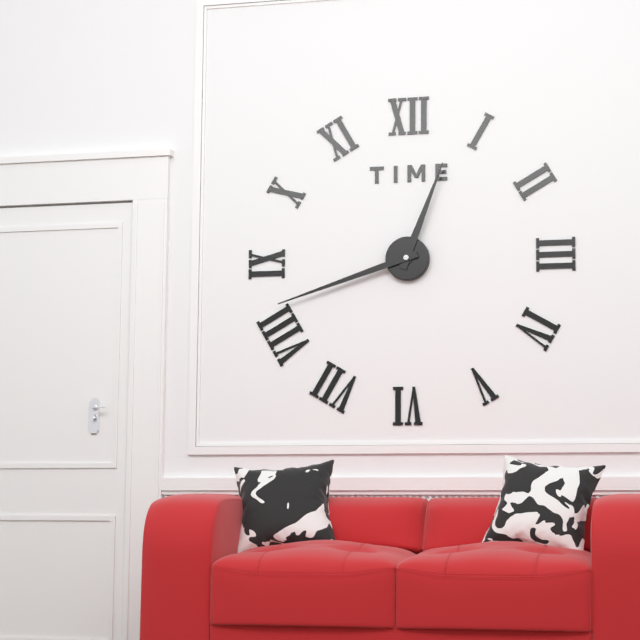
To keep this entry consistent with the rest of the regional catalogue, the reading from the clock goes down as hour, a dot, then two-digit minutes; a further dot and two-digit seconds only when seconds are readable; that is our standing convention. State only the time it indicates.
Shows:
12.42
